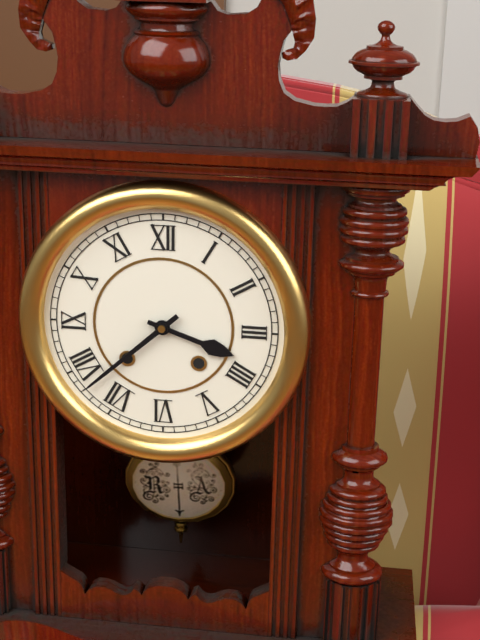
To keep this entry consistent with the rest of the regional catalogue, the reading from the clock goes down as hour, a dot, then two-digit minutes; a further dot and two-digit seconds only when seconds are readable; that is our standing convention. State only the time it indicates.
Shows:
3.38
